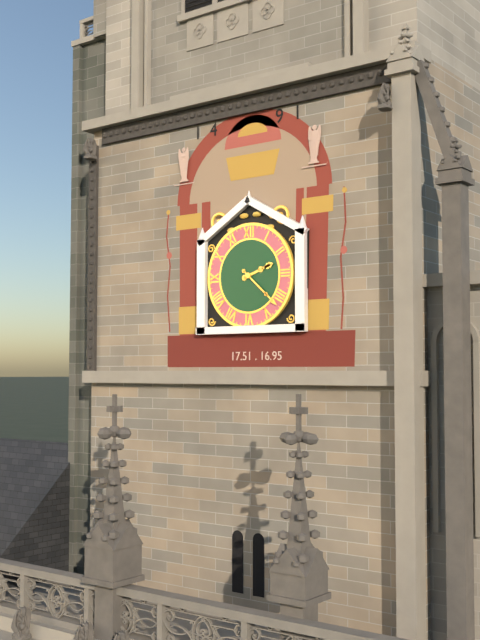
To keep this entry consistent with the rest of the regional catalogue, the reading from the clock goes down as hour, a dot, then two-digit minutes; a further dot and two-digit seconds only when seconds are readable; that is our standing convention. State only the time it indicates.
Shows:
2.22
